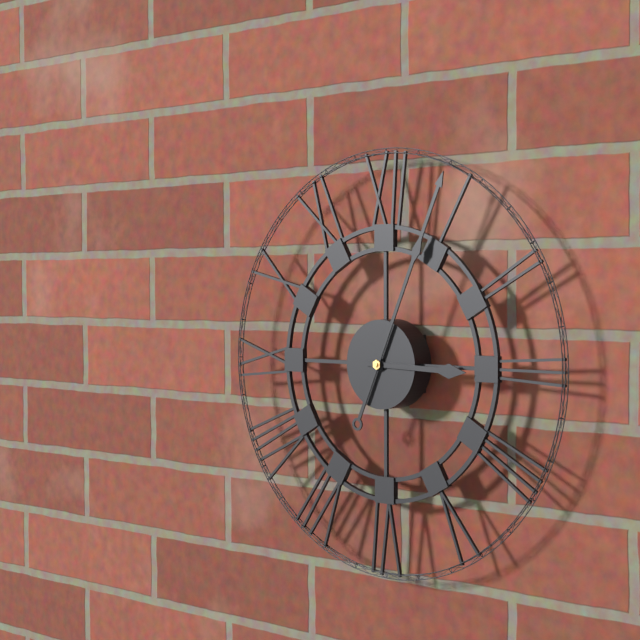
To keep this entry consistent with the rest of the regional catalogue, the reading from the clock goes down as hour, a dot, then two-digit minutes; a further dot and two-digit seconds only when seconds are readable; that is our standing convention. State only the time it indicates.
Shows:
3.04
